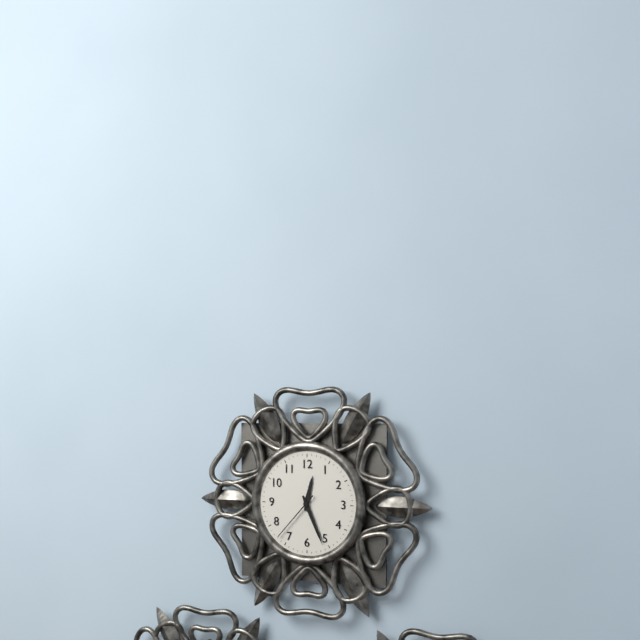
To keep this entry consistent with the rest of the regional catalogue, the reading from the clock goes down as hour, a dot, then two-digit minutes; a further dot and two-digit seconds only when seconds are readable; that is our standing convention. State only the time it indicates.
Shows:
12.26.37
